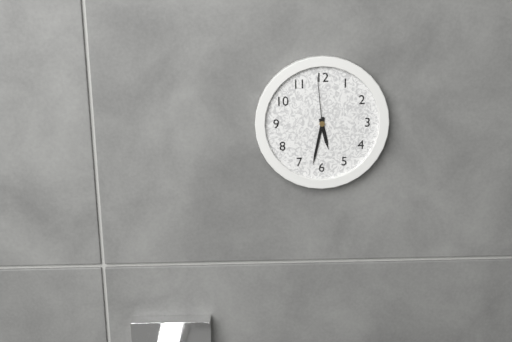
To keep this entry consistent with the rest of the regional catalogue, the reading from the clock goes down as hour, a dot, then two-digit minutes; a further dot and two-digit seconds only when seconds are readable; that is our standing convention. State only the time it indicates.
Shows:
5.32.59
